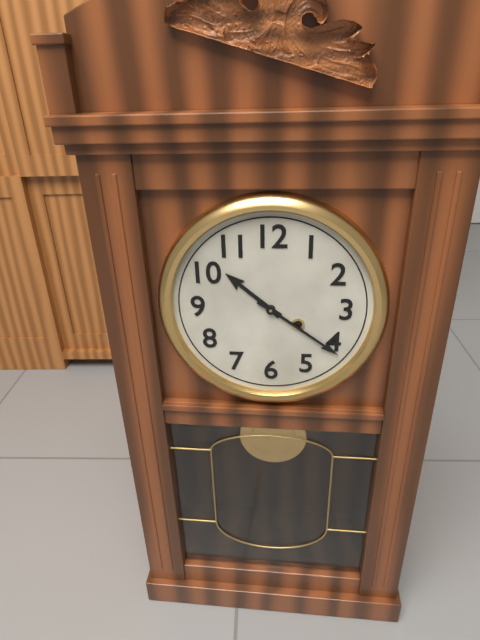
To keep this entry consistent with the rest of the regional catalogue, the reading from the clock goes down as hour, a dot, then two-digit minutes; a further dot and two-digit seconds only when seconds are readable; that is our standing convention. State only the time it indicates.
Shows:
10.21
